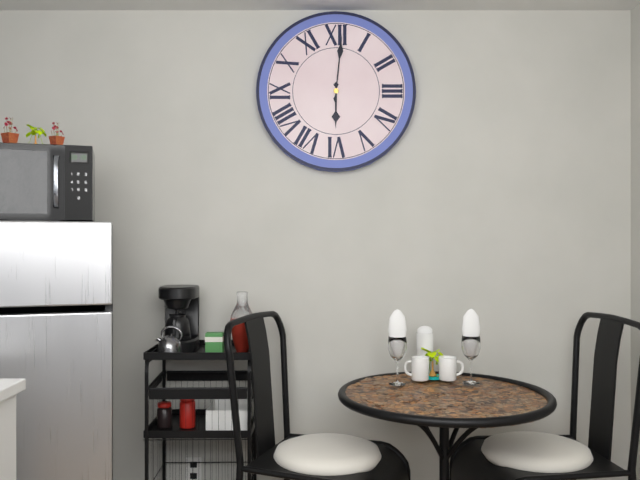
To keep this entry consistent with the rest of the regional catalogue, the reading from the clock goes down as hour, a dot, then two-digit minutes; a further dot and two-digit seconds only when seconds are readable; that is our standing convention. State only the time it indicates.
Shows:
6.01
